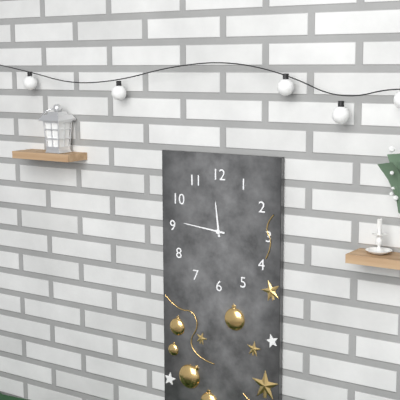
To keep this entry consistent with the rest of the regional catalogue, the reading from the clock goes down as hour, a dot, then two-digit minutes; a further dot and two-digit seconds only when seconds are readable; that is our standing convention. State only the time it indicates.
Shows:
11.46
